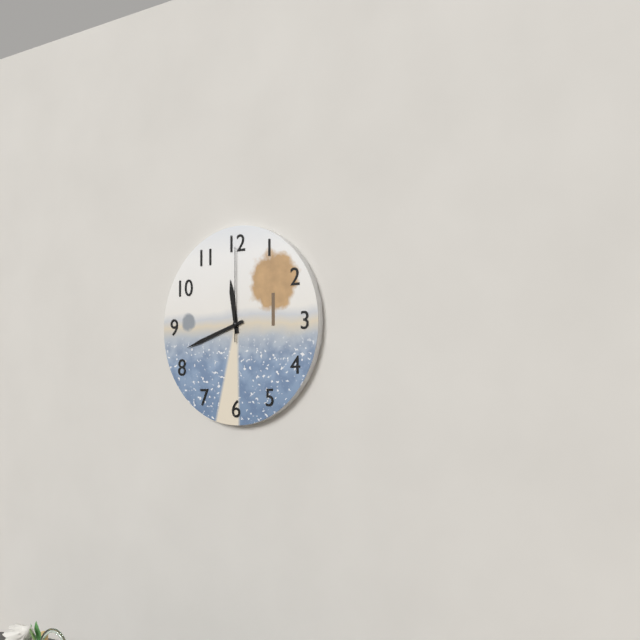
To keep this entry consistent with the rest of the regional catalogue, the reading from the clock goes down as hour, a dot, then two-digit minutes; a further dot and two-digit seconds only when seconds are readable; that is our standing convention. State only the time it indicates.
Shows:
11.42.00
